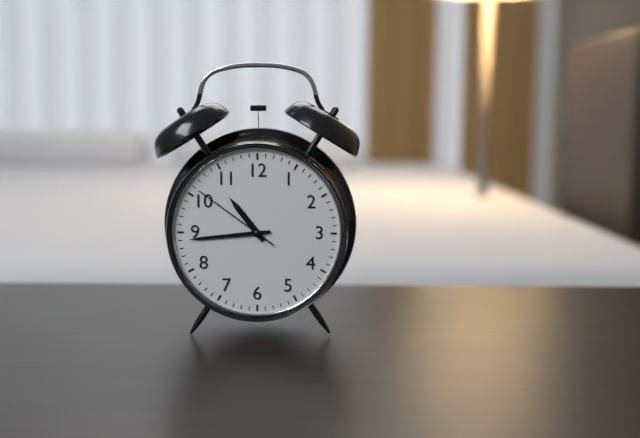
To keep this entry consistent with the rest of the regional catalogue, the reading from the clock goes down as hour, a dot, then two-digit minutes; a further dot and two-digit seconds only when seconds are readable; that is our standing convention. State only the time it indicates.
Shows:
10.44.51
